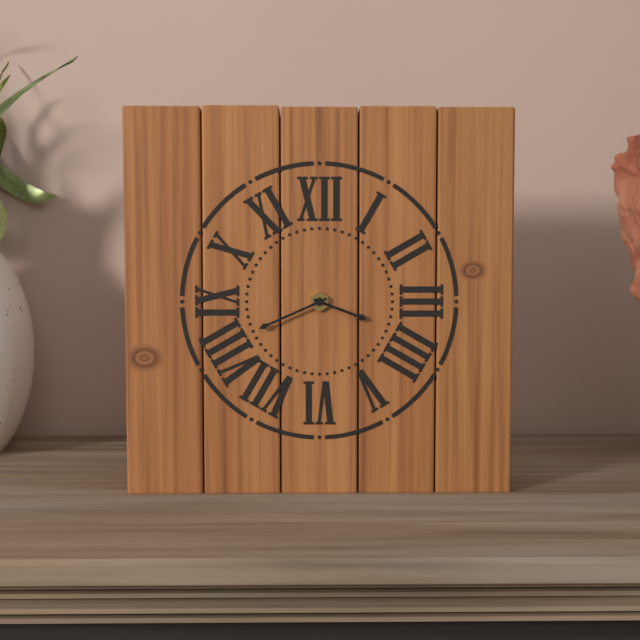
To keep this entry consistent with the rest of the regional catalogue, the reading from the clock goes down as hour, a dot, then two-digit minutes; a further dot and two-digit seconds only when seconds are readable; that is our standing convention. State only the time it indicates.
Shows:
3.41
